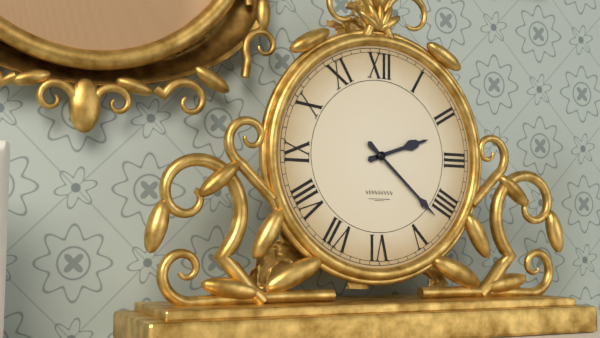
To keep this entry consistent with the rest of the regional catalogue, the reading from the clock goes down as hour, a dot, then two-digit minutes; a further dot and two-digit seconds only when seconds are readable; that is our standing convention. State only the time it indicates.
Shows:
2.22
